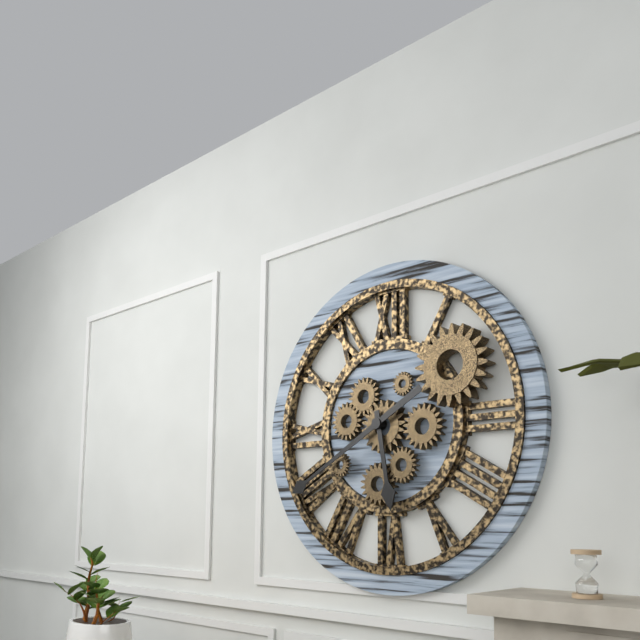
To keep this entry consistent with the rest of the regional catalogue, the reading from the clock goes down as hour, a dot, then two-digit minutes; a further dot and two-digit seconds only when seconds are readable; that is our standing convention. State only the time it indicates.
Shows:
5.40
